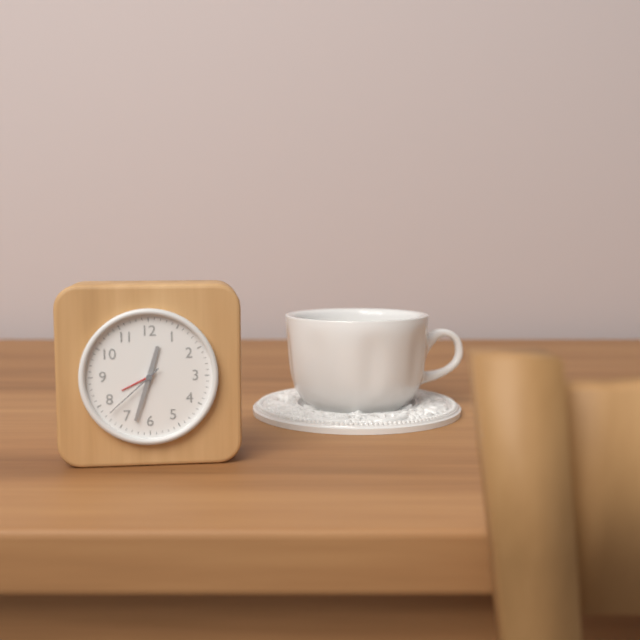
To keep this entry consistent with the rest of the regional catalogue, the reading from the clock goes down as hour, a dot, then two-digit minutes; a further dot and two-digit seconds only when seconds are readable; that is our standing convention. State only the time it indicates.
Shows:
12.33.38
